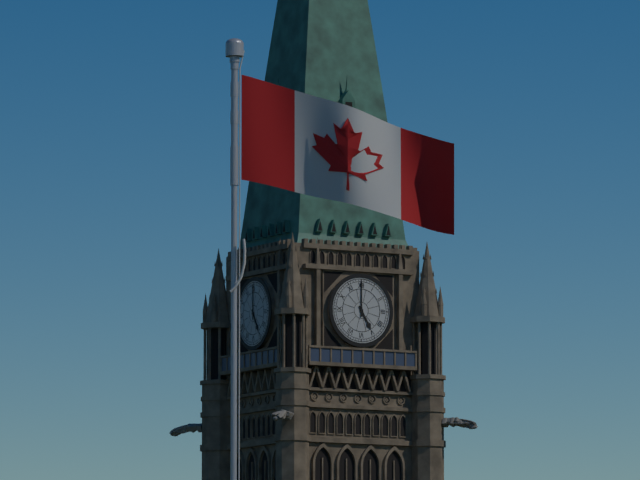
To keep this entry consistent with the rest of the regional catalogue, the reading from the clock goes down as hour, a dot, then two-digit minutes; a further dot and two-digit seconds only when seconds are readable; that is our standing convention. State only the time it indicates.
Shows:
5.00
